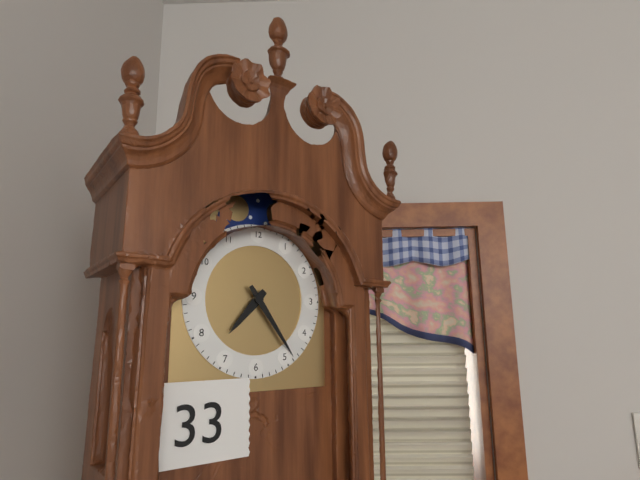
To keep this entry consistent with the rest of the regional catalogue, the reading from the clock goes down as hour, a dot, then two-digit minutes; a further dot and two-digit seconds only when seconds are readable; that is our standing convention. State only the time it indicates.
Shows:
7.24
